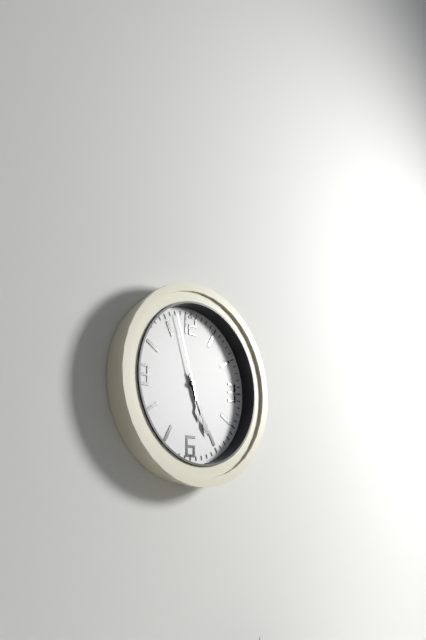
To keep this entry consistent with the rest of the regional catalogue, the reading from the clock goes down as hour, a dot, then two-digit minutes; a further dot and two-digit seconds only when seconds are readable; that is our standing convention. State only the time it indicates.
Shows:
5.26.57
